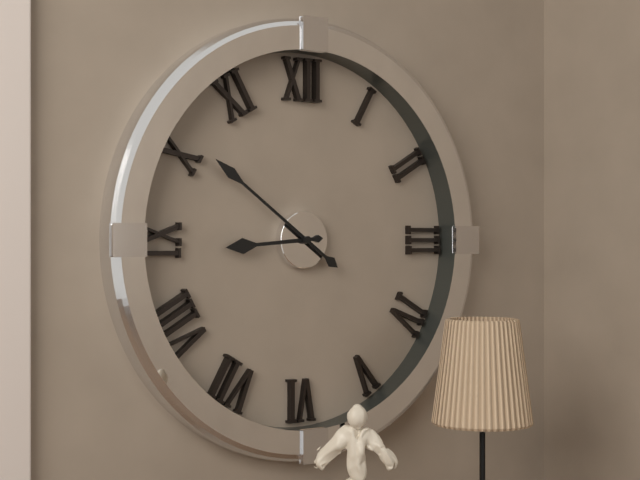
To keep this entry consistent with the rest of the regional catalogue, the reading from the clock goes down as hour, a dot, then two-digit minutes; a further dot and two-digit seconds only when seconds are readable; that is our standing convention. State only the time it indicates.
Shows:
8.51
